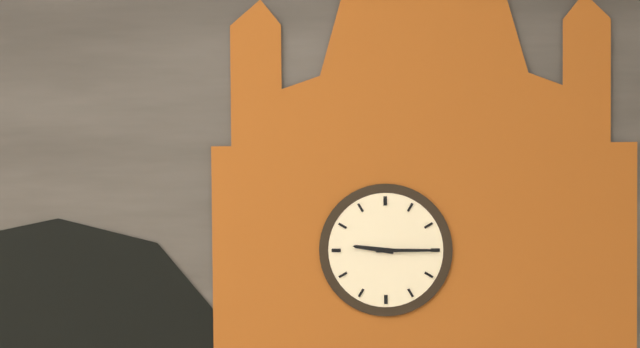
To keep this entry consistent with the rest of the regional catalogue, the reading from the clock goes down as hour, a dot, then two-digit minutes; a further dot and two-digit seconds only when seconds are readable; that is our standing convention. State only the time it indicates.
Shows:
9.15
